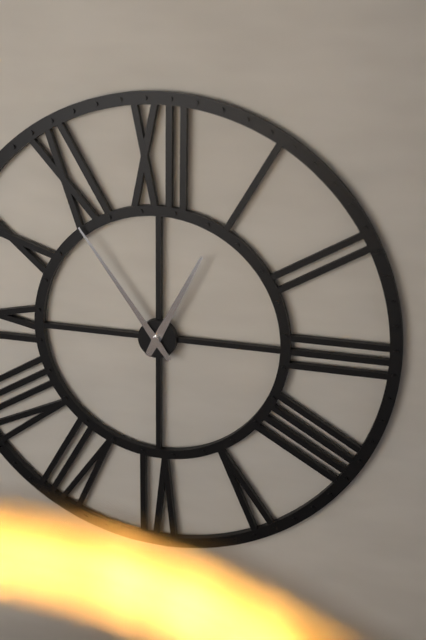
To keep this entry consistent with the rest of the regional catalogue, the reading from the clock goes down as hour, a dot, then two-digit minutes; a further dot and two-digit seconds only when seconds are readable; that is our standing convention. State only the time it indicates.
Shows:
12.54
